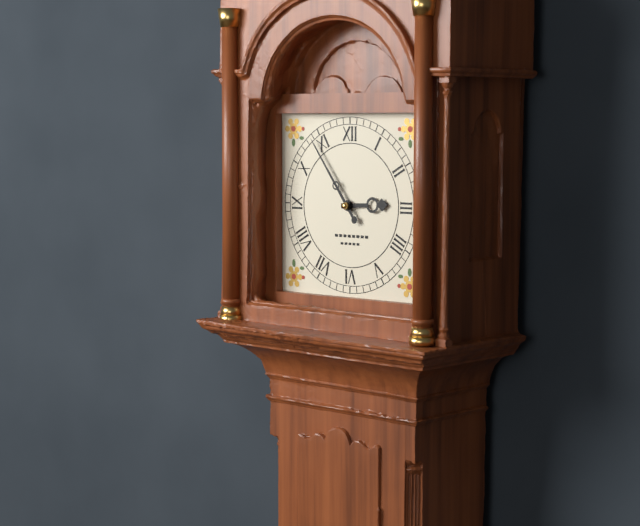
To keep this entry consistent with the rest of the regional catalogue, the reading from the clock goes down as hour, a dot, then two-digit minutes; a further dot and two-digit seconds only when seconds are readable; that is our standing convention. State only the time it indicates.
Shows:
2.54
